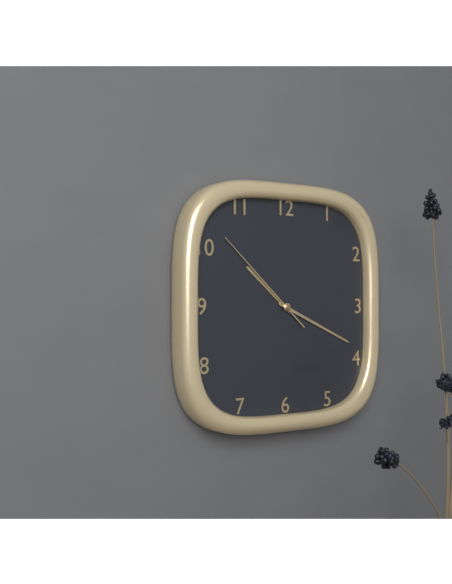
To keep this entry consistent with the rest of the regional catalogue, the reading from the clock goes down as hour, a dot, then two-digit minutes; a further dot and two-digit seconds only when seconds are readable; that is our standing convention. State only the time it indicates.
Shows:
10.19.52
